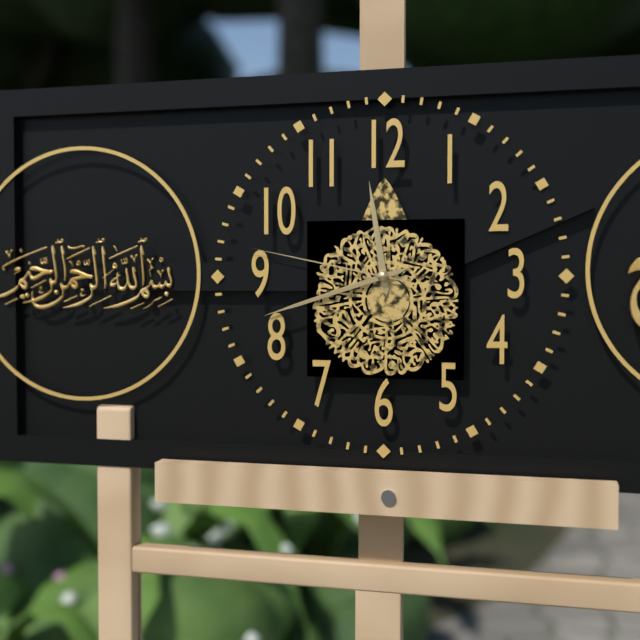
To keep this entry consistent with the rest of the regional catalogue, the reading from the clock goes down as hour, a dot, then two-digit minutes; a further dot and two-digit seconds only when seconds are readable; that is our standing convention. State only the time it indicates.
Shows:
11.42.47
